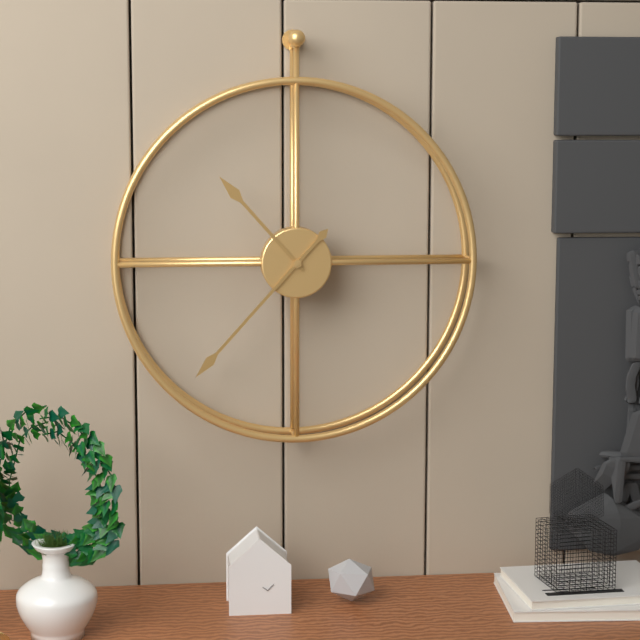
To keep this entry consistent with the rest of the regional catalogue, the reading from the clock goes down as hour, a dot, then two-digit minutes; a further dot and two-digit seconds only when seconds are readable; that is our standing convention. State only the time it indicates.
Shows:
10.37
